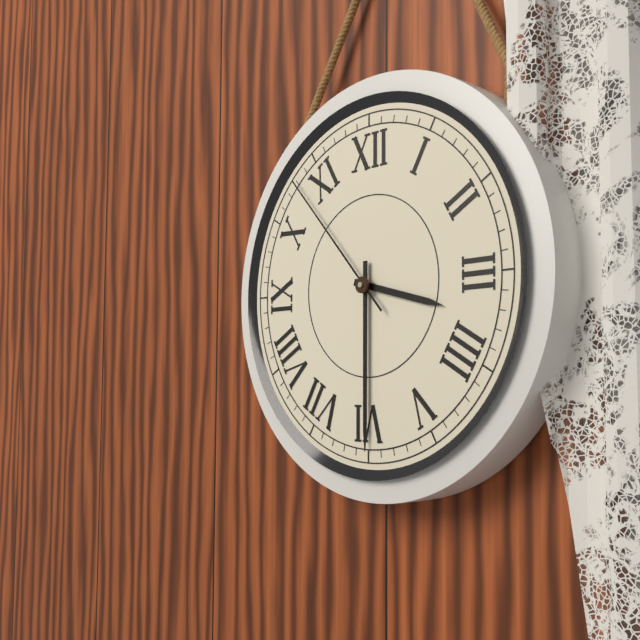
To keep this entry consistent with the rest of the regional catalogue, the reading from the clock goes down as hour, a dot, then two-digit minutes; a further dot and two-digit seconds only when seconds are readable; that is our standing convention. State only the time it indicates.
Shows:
3.30.53
